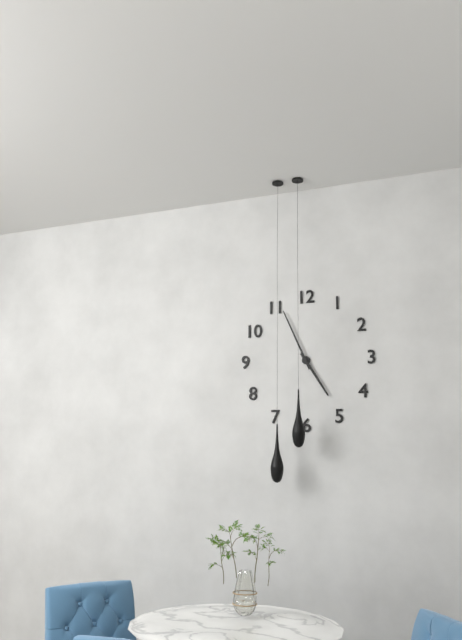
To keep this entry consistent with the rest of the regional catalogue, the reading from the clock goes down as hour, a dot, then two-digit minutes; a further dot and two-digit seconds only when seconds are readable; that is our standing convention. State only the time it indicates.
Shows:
4.56
